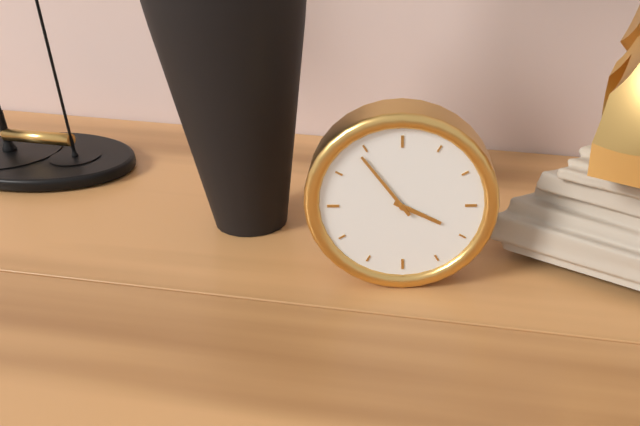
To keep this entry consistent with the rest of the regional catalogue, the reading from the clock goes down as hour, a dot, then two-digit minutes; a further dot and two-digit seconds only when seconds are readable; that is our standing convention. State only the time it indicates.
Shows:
3.54
